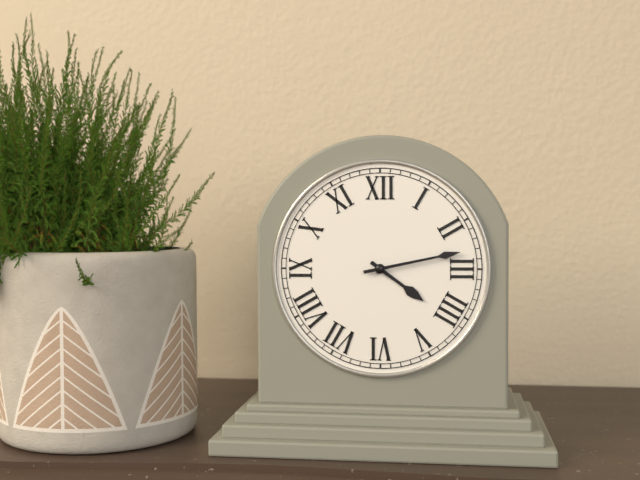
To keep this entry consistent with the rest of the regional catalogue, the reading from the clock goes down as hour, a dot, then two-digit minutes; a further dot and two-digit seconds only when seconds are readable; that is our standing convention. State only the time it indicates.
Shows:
4.13
